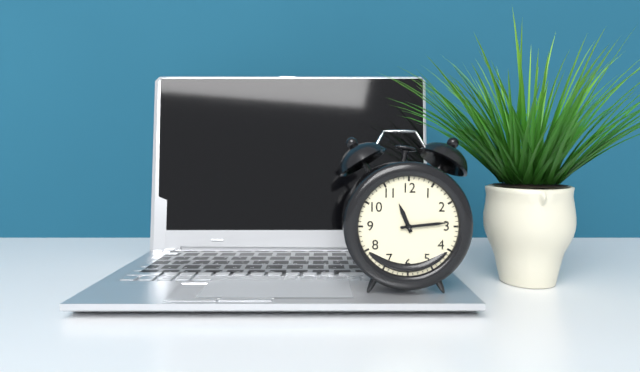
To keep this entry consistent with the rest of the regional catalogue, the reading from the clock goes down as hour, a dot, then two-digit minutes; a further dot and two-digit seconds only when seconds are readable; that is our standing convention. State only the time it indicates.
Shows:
11.14
